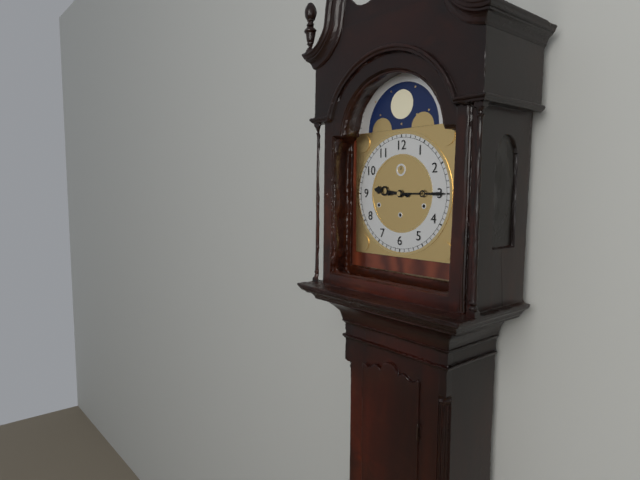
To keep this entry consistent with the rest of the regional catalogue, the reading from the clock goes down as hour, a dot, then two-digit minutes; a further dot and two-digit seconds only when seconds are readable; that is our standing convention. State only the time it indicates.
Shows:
9.15
